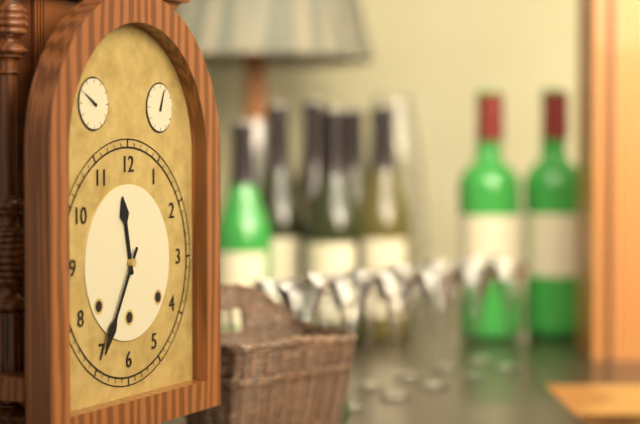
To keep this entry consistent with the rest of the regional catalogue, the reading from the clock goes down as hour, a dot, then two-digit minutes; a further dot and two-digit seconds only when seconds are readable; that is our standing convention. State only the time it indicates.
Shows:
11.35
